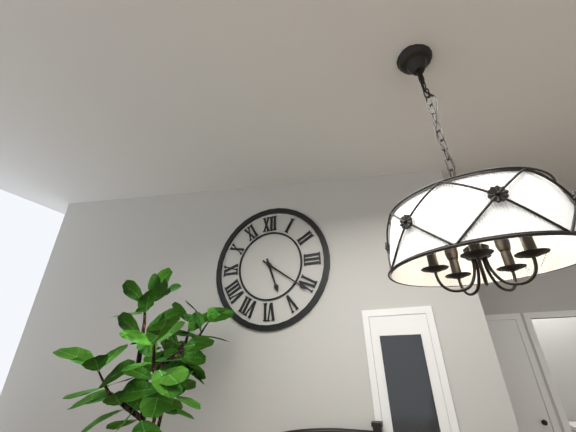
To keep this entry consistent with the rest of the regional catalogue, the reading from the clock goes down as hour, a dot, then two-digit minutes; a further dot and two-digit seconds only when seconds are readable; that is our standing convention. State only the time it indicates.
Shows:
5.21
